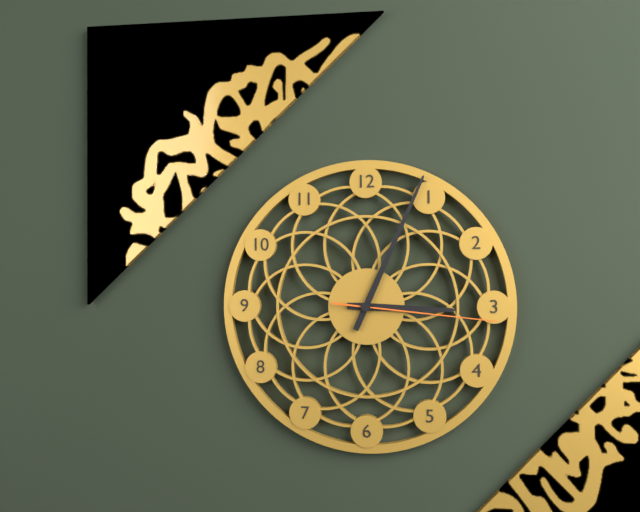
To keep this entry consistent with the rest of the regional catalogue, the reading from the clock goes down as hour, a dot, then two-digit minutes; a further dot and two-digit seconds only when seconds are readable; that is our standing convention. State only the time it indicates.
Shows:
3.04.16
